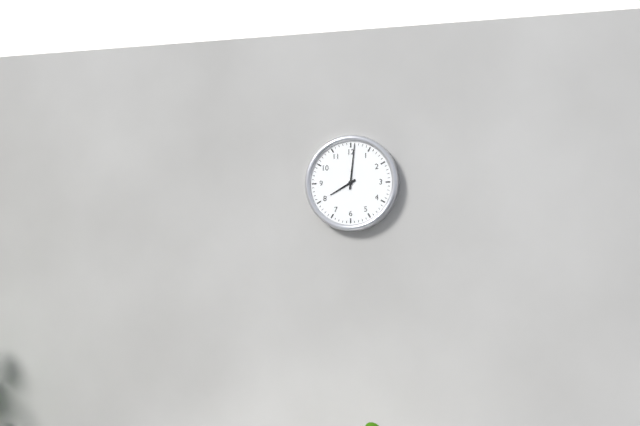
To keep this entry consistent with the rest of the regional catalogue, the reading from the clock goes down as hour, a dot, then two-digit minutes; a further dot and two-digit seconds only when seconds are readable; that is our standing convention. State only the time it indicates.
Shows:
8.01
